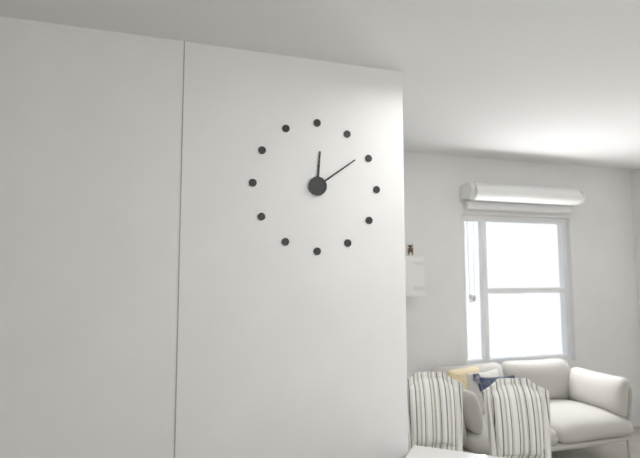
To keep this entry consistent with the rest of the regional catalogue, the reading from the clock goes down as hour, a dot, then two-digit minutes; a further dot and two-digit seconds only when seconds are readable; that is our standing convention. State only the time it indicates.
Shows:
12.09
